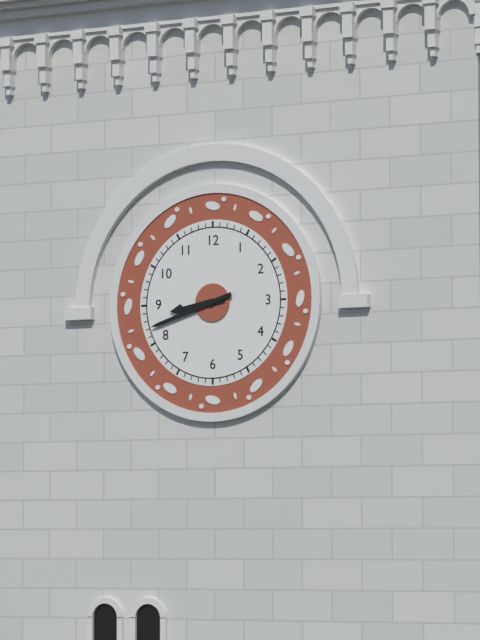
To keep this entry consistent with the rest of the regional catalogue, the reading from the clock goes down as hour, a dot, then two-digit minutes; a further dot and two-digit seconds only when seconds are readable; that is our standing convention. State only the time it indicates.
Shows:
8.42
